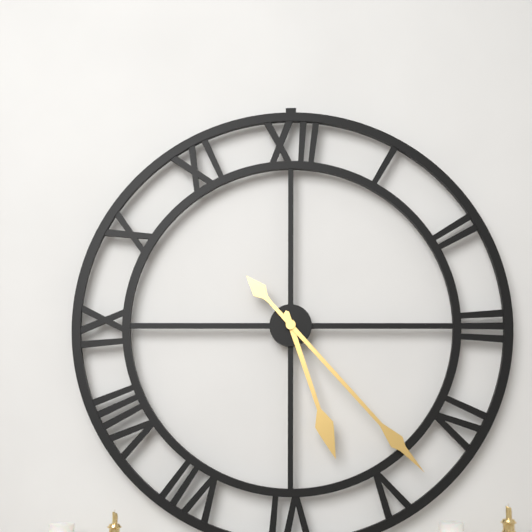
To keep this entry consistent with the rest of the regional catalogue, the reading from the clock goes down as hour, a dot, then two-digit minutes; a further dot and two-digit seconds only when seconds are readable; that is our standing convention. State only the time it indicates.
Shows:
5.23
